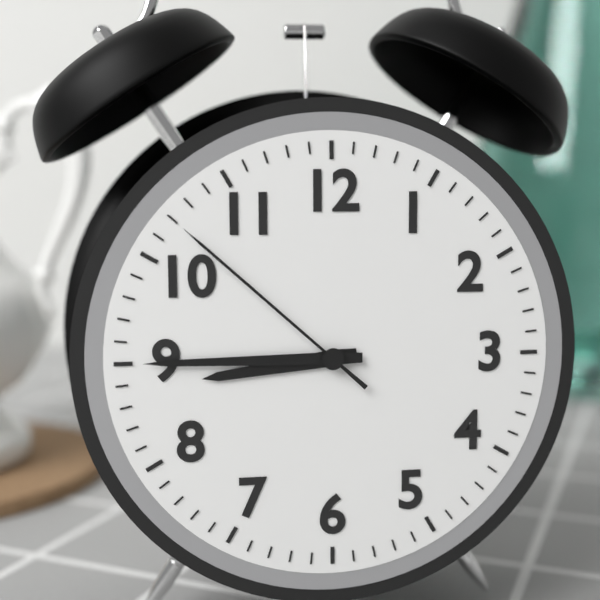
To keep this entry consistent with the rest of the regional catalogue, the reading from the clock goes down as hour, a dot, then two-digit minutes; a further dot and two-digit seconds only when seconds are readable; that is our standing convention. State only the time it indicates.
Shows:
8.45.52
